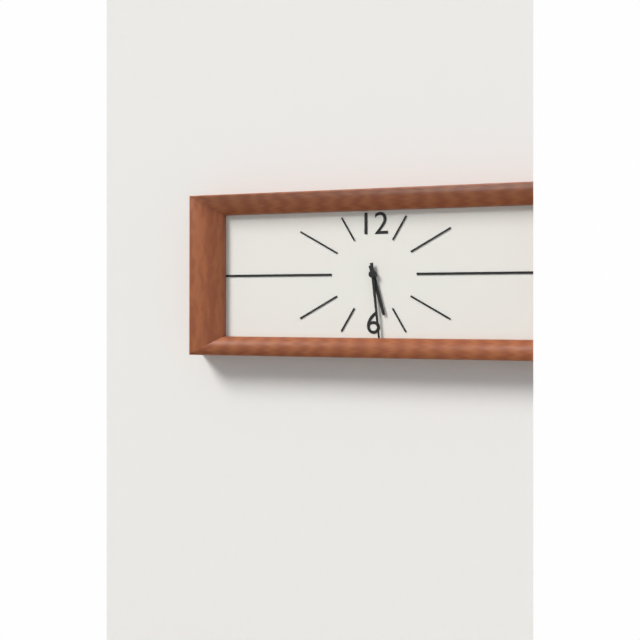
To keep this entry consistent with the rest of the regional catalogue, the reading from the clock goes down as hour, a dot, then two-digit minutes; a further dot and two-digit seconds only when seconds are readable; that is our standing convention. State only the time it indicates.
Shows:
5.29
